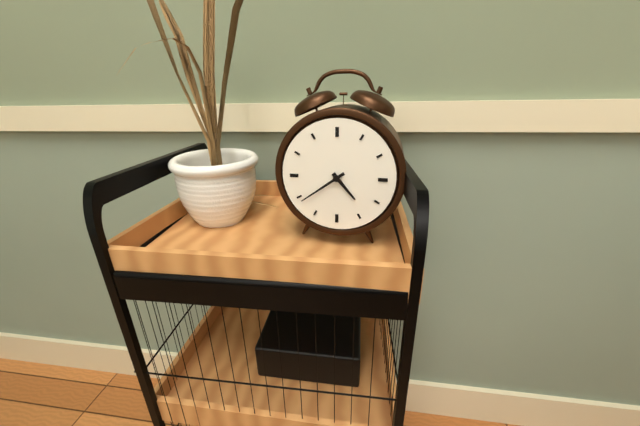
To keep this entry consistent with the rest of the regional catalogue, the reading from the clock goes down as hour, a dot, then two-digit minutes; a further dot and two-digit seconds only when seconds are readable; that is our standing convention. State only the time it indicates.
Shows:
4.39
